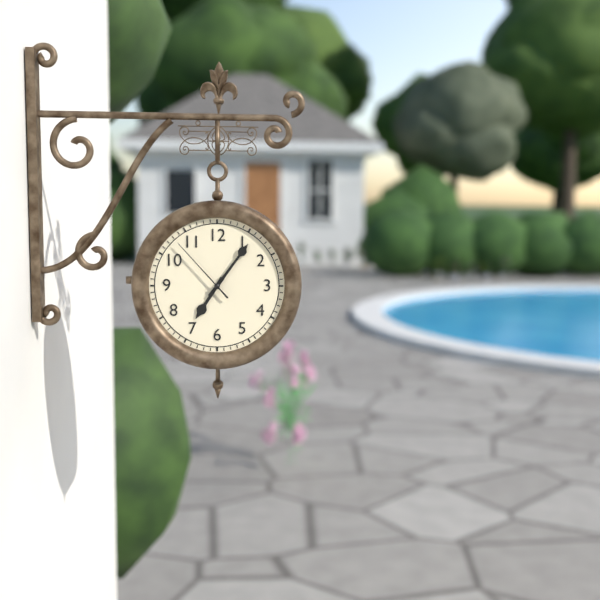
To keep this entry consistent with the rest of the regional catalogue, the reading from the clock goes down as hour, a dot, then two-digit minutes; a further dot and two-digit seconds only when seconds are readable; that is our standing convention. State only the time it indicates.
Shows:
7.06.53
